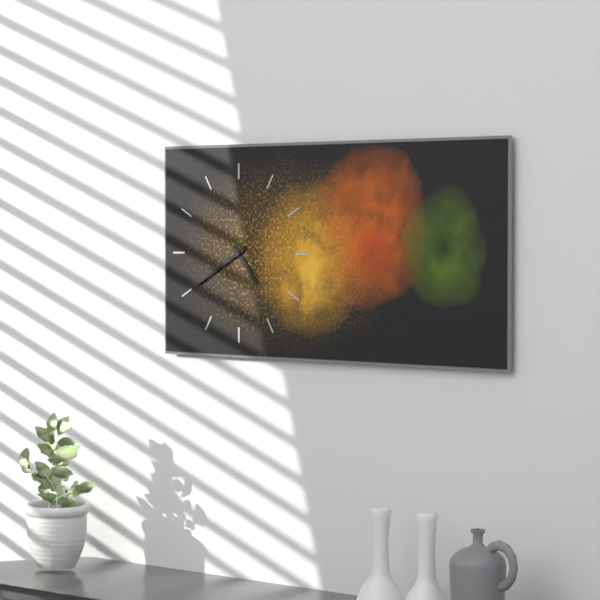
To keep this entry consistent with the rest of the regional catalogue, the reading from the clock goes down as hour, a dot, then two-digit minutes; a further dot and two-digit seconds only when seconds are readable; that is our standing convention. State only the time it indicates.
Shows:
4.40
